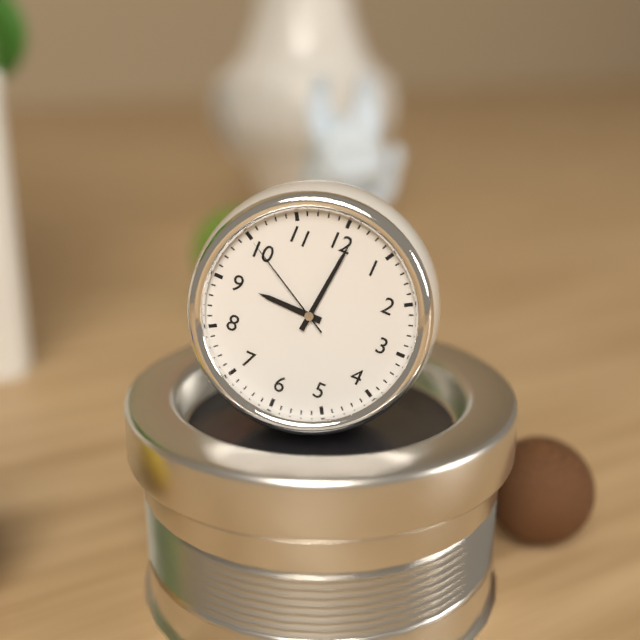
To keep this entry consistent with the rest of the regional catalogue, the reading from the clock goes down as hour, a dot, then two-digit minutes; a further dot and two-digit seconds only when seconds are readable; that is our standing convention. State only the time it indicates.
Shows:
9.01.50
